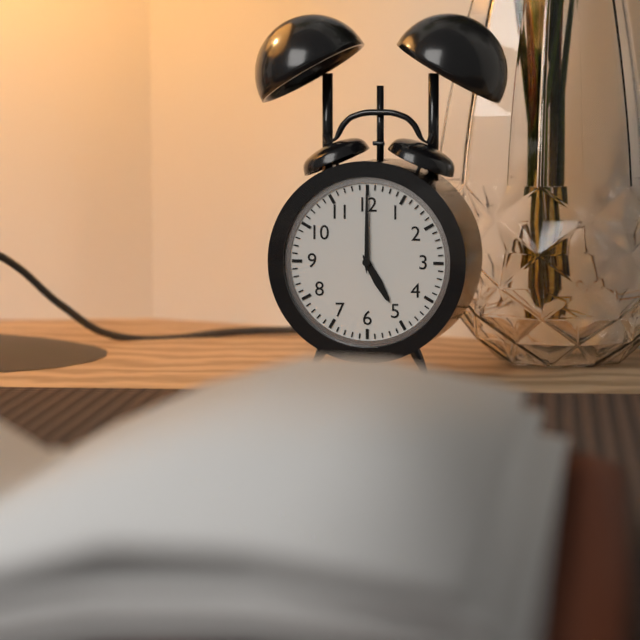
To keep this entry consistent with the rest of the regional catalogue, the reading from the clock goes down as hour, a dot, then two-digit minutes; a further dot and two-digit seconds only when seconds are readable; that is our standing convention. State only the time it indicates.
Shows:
5.00
